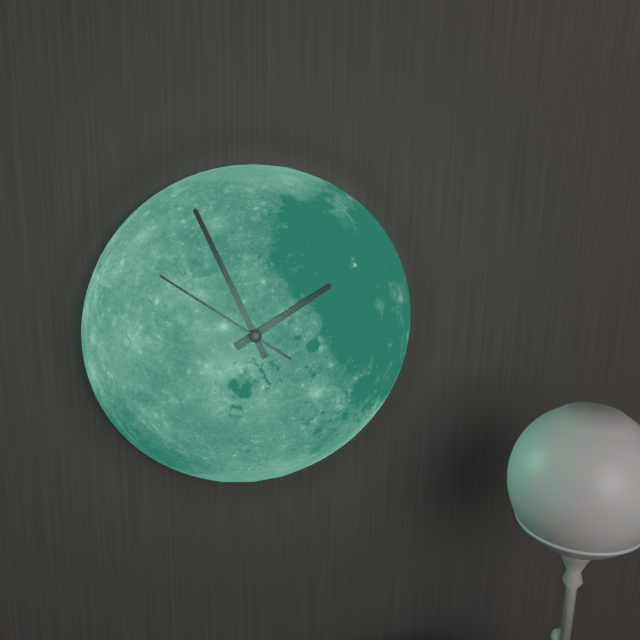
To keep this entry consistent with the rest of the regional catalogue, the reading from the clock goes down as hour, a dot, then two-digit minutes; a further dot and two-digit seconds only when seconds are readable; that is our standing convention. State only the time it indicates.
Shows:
1.56.51
